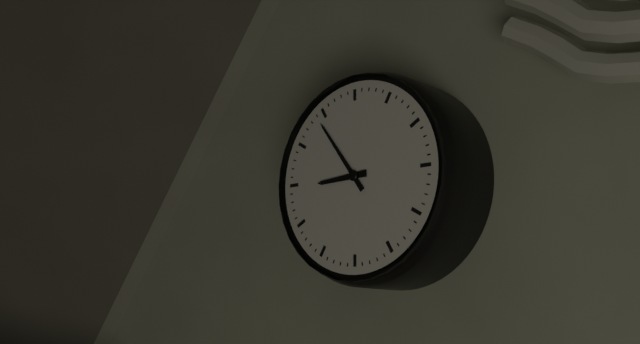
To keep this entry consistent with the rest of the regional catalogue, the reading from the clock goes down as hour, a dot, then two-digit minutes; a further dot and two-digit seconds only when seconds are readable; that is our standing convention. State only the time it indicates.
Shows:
8.54
